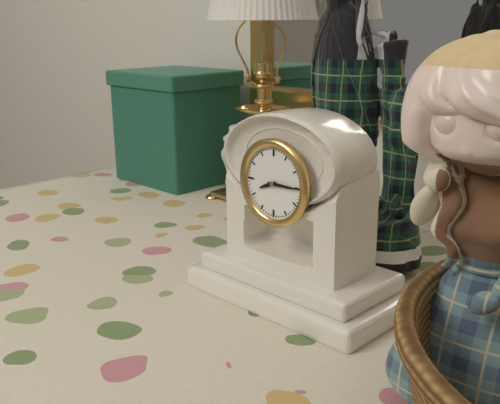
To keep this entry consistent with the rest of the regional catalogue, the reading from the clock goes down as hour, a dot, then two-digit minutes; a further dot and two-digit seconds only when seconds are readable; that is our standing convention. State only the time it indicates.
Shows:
8.15
